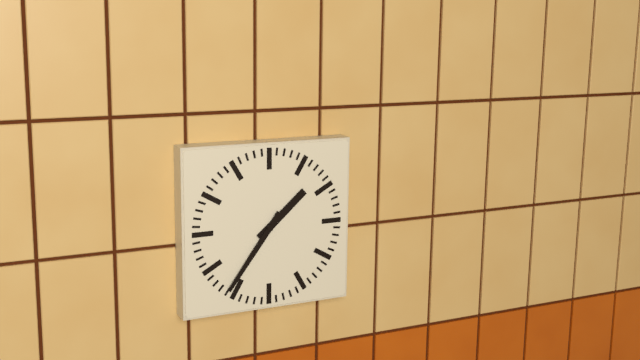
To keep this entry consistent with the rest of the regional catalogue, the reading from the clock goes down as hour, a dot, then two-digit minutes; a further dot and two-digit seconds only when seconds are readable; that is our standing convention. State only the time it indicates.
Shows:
1.36
